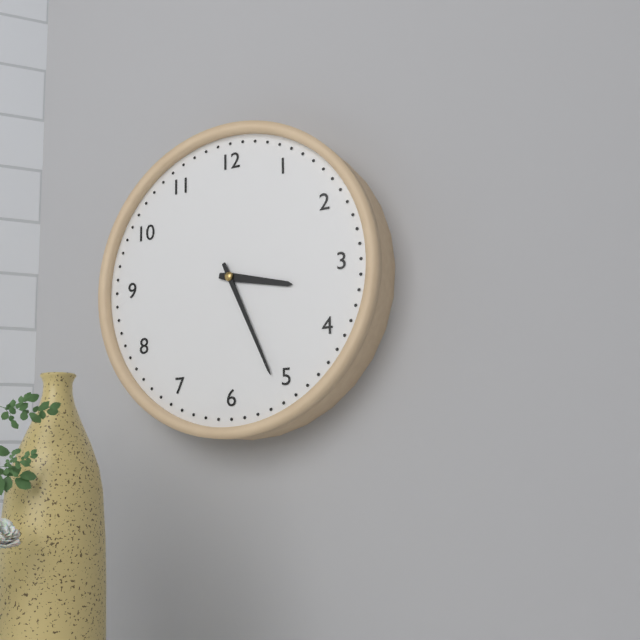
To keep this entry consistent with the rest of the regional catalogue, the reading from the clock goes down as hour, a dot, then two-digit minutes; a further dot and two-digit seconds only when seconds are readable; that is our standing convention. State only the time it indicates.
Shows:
3.26
